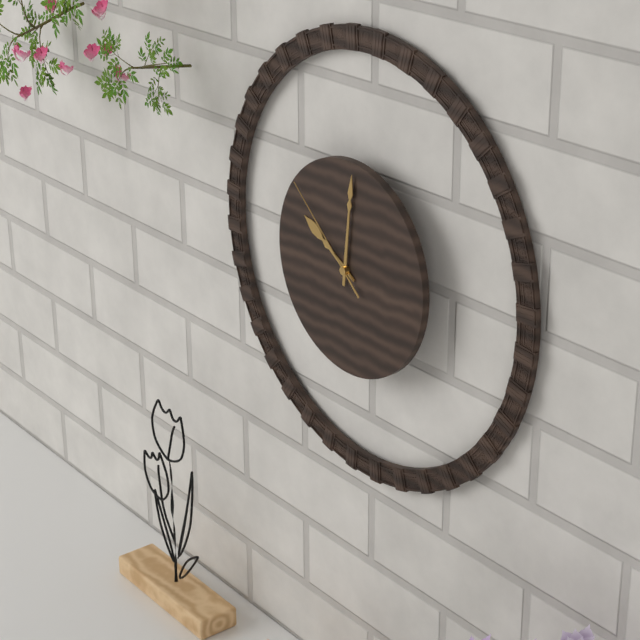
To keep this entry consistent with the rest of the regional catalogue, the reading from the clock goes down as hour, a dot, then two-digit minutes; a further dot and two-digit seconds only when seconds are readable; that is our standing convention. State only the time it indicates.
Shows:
10.01.52
